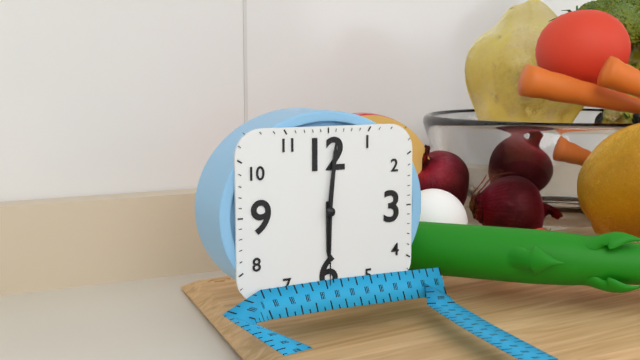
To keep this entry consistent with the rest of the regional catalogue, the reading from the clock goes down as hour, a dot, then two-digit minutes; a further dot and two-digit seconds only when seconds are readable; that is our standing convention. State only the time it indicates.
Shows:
6.01.30
